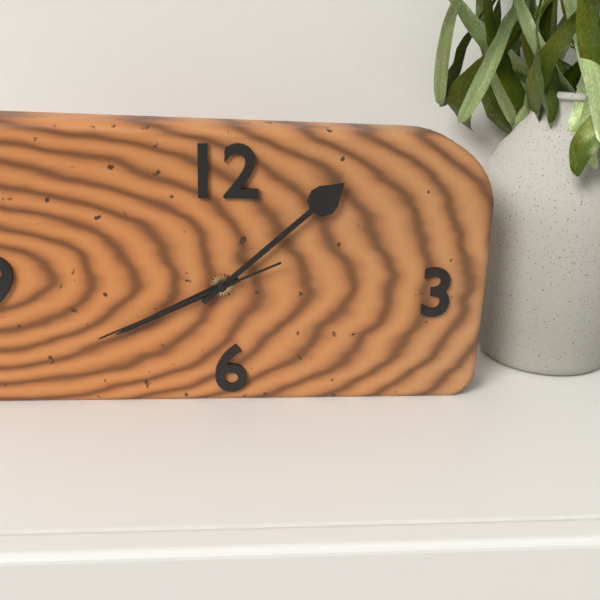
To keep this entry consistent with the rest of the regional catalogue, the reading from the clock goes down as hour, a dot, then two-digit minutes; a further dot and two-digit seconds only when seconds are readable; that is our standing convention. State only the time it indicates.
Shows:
8.08.41
